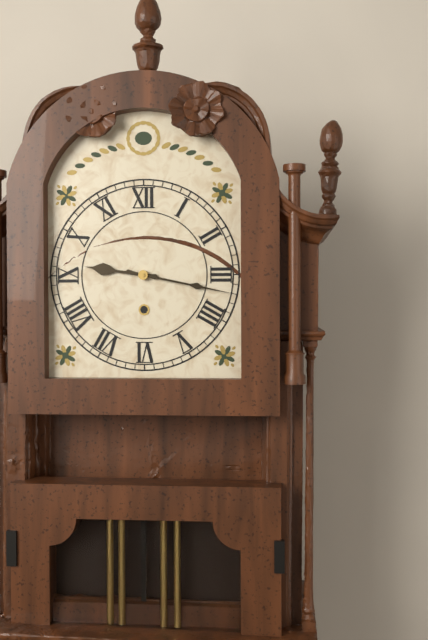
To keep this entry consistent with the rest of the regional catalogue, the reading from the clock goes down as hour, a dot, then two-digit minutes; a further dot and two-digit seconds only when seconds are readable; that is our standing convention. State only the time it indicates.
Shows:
9.17
